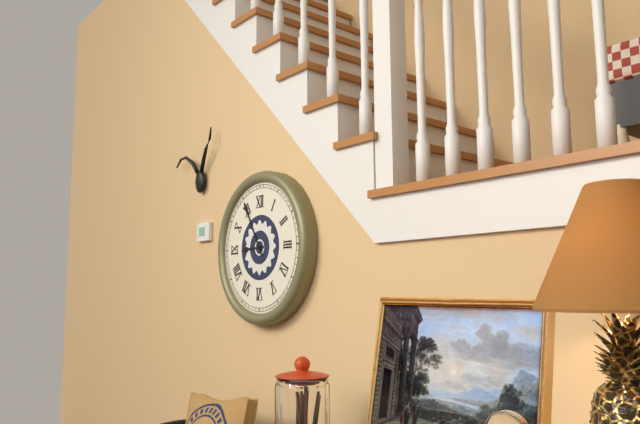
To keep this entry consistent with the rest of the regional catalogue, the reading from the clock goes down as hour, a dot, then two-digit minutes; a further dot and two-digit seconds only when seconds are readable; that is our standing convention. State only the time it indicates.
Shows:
8.55
